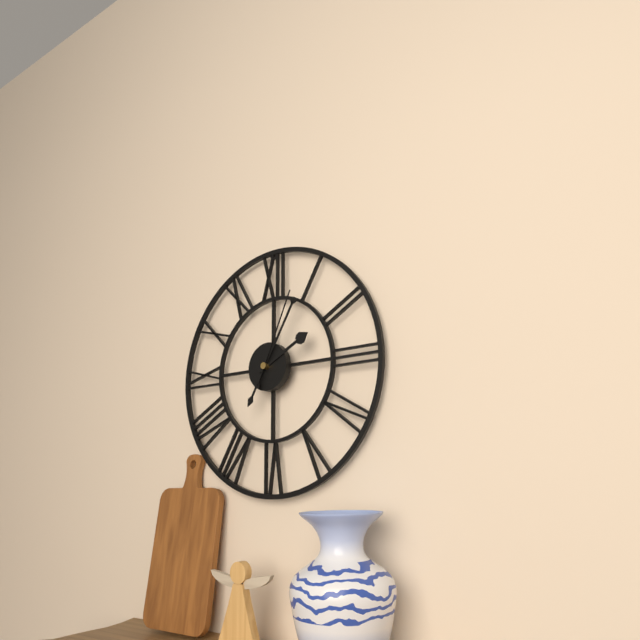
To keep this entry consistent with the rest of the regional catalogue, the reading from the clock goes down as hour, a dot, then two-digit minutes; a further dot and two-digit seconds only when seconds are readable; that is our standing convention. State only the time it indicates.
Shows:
2.05.04
